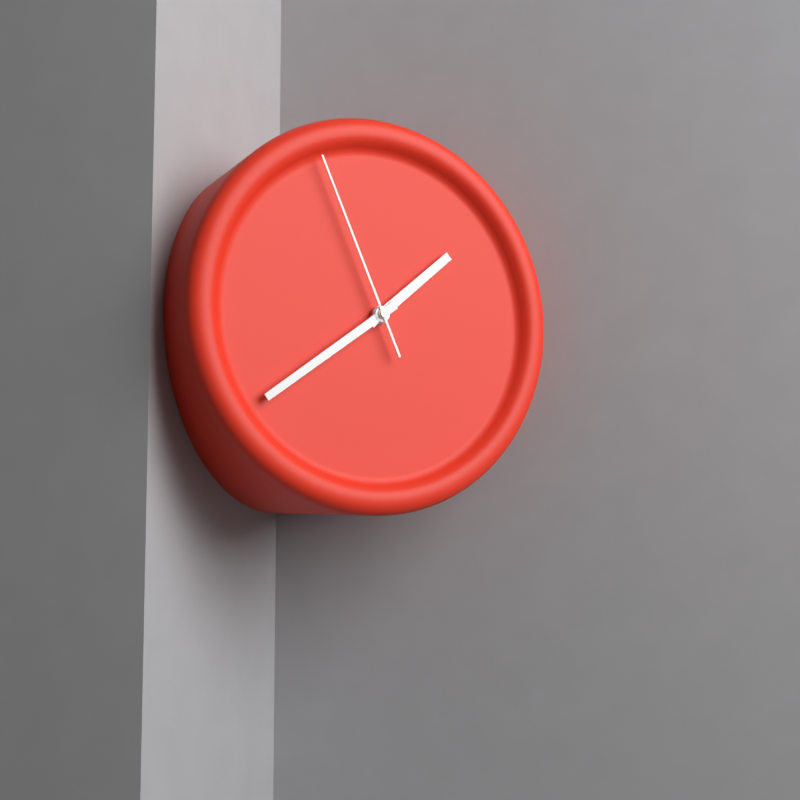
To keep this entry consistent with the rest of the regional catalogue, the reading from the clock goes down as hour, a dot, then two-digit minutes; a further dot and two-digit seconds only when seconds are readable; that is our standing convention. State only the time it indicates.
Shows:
1.39.56
